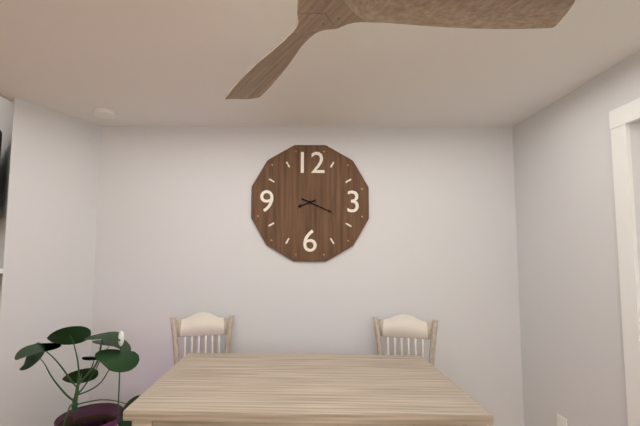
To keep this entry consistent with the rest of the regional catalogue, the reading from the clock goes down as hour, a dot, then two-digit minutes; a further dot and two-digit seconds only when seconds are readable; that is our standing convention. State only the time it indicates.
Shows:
8.19
